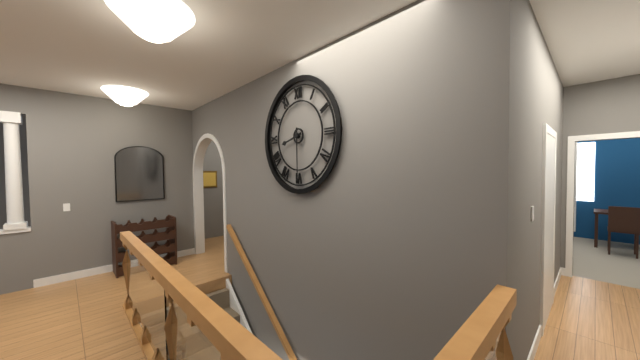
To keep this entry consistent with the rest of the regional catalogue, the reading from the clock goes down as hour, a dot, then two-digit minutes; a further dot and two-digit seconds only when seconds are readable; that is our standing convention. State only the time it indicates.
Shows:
8.30
